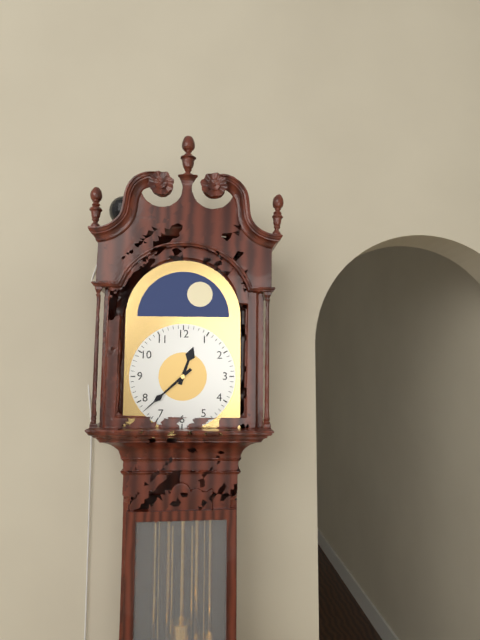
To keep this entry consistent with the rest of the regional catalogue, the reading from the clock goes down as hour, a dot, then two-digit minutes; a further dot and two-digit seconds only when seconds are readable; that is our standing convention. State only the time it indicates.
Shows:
12.38
